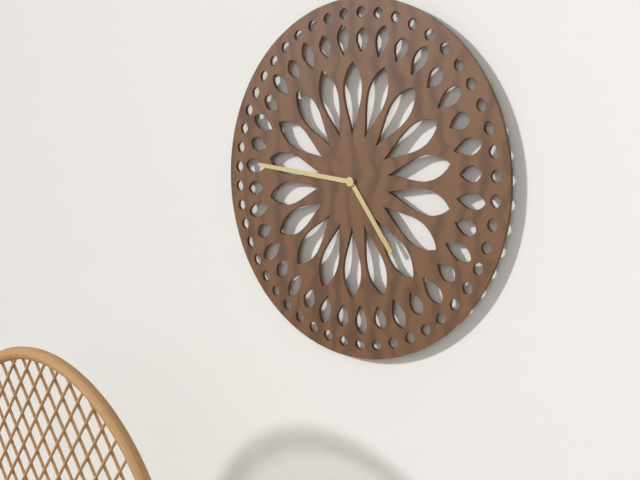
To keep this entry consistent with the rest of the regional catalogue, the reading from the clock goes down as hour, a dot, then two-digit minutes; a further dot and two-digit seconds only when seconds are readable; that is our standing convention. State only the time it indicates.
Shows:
4.46
